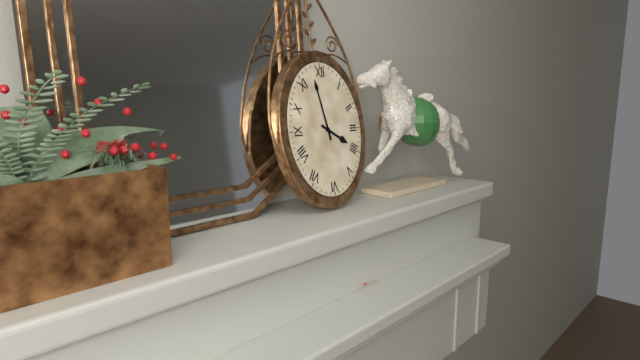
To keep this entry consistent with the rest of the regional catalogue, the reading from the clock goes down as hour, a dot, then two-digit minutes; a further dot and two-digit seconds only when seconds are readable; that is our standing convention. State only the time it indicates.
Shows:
3.58
